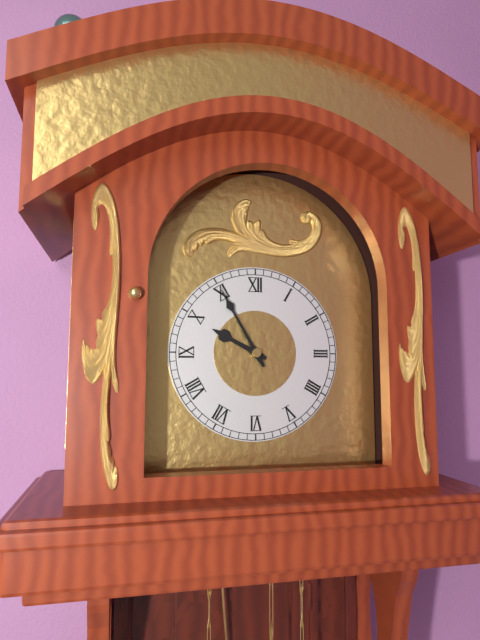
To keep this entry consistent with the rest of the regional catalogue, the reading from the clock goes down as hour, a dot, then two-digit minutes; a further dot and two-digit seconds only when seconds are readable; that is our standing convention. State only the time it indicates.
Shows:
9.55
